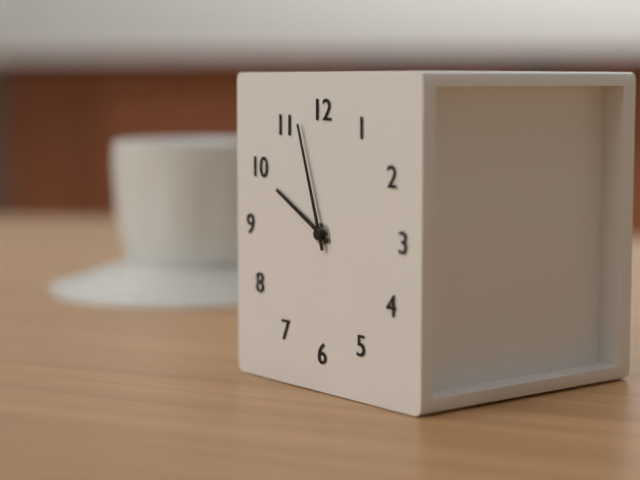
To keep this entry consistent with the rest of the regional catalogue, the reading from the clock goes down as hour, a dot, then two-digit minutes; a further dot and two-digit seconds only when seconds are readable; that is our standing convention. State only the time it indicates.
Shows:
9.57
